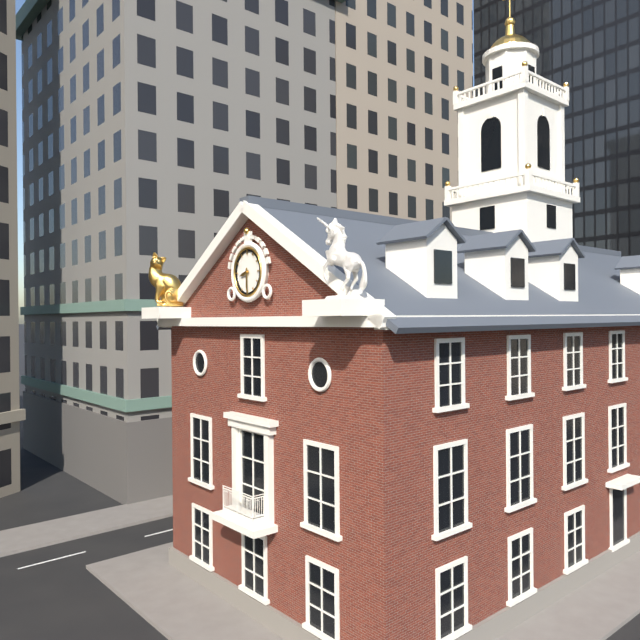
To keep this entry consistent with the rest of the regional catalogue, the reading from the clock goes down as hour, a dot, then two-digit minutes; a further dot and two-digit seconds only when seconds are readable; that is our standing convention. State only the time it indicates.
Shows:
8.30
